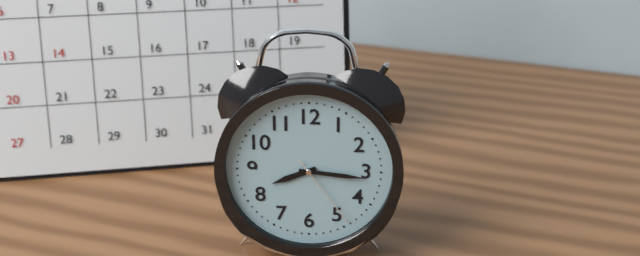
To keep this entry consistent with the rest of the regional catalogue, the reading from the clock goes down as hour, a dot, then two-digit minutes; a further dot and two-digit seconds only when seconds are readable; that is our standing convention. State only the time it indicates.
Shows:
8.16.24
